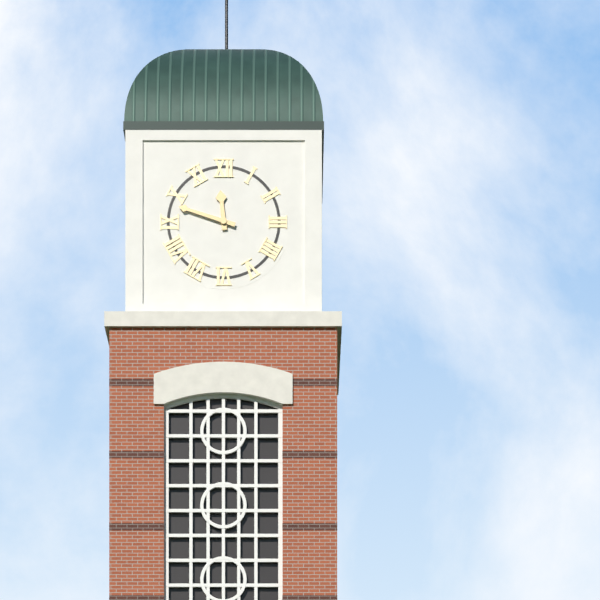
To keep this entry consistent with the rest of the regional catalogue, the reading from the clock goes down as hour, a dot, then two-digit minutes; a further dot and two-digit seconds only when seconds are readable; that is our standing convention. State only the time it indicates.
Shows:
11.48
